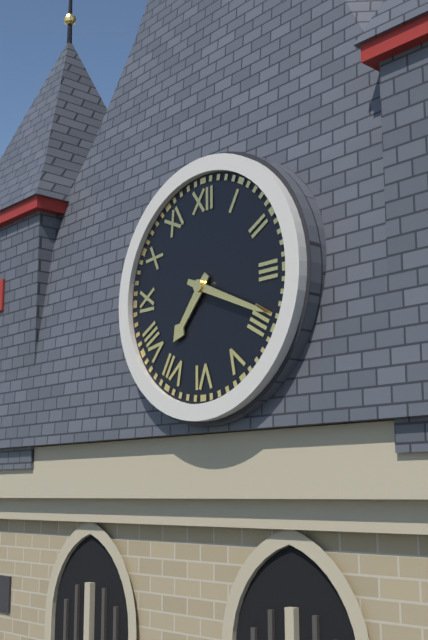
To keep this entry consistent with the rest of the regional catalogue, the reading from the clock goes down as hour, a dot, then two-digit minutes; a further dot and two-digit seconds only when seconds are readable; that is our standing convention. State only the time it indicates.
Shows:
7.19
